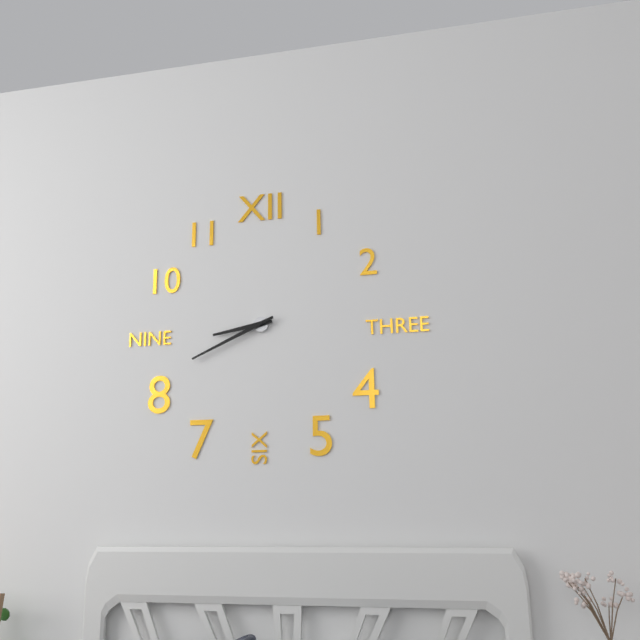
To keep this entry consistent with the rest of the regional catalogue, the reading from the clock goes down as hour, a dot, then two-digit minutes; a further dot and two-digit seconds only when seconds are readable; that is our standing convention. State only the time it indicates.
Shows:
8.41
